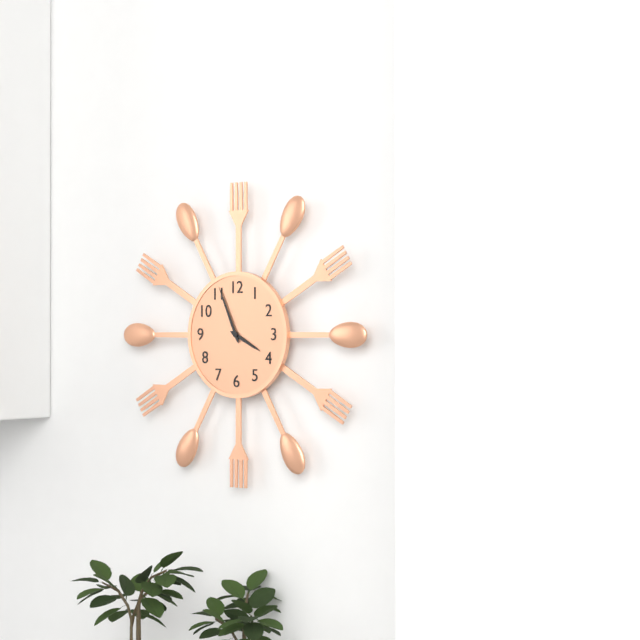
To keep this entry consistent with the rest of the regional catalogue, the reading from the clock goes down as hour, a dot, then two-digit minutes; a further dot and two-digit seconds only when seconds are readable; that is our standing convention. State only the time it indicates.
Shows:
3.56
